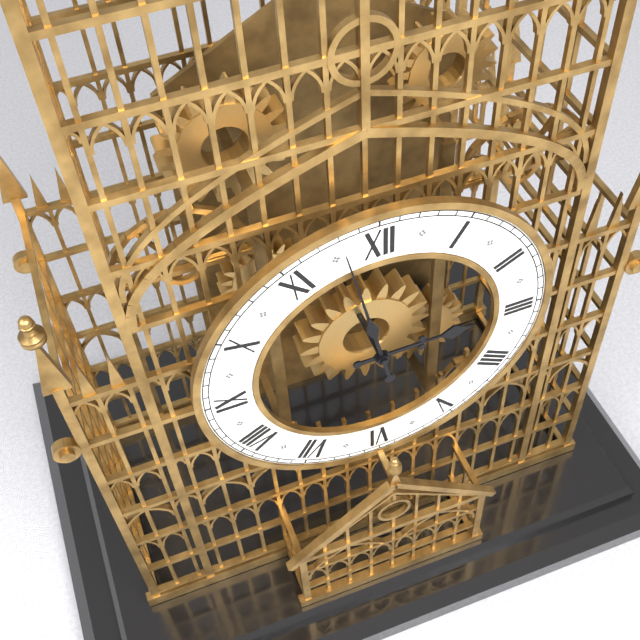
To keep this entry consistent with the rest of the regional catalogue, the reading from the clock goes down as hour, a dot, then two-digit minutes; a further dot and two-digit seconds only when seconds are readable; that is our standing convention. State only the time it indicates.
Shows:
2.58
